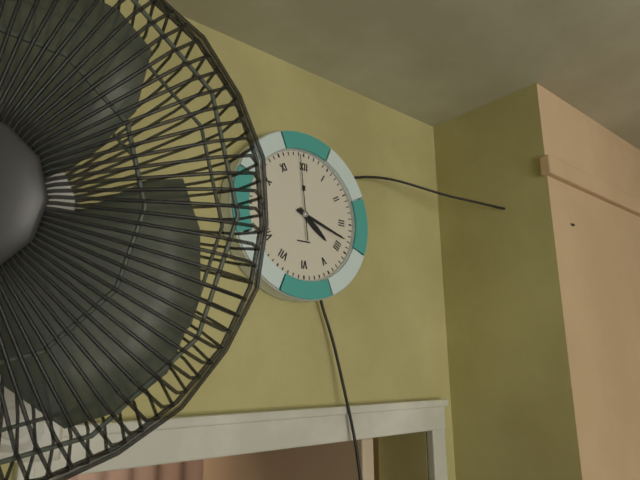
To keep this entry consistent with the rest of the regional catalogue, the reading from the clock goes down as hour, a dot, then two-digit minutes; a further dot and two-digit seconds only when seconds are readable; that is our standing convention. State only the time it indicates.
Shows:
4.18.59
